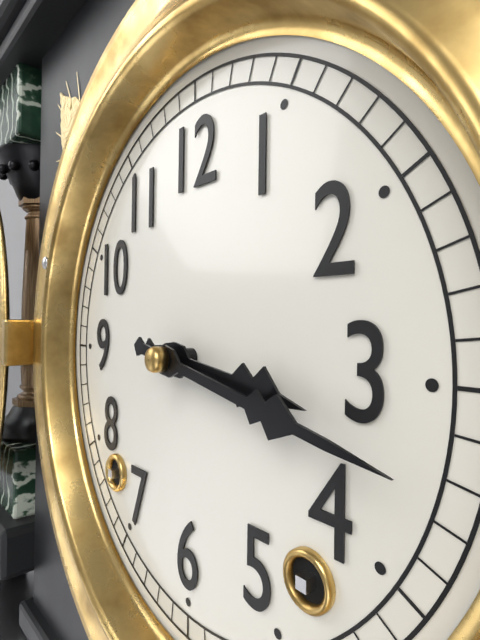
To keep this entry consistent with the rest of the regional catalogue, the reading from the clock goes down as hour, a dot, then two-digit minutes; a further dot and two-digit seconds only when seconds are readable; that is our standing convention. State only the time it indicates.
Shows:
3.17
